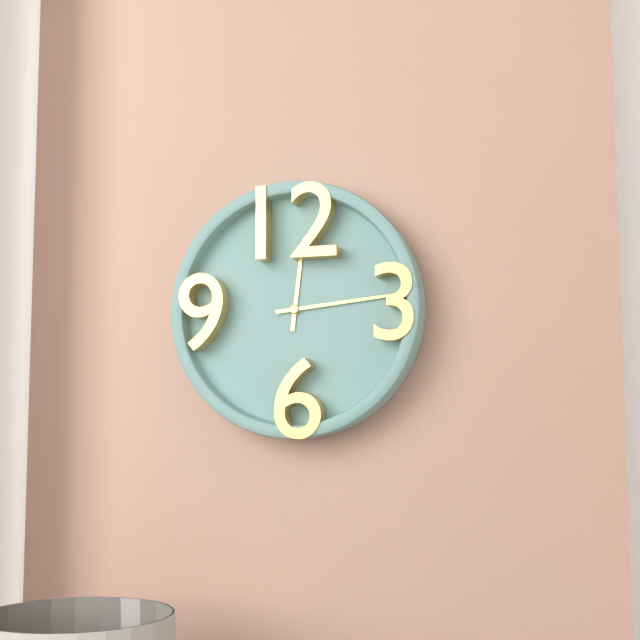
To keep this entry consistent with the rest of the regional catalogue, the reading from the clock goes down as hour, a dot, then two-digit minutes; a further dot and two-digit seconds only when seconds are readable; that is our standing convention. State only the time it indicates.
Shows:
12.14
